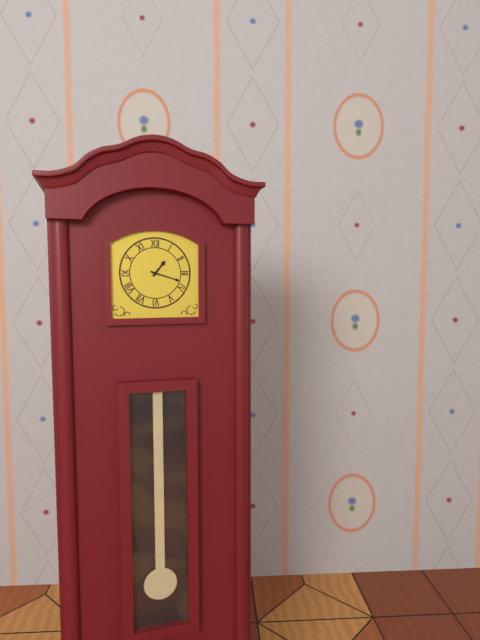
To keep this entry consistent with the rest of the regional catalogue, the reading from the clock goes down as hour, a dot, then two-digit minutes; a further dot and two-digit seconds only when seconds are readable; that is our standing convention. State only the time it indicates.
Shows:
1.18
